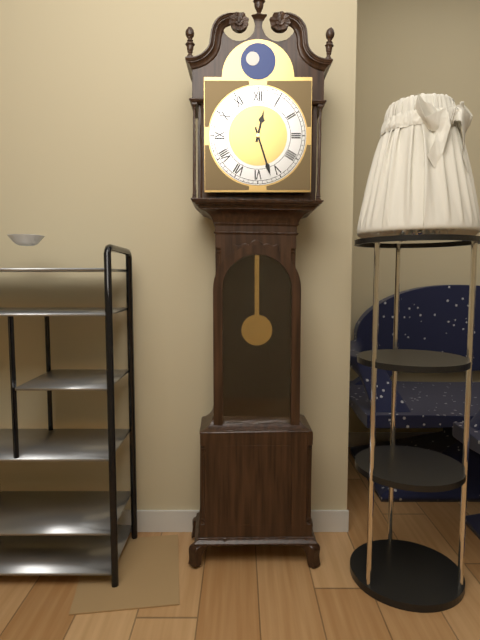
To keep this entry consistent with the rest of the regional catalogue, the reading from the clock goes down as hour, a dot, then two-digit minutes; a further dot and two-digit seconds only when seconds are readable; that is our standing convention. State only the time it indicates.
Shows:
12.27
